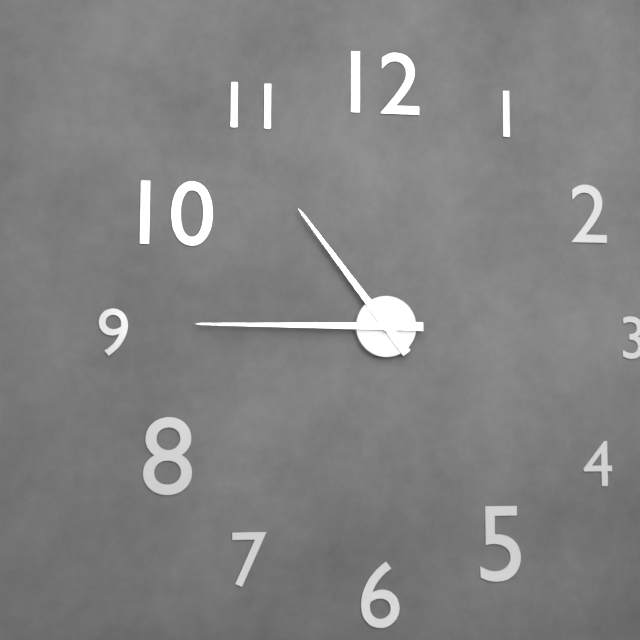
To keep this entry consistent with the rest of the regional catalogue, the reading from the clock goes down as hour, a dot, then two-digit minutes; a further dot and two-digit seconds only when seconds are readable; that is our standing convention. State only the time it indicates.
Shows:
10.45
